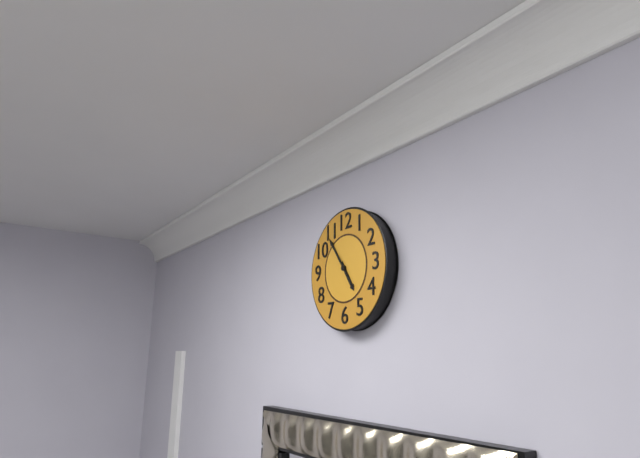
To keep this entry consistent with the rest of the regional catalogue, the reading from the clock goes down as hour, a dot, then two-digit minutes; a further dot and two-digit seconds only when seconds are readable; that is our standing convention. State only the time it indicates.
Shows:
4.54
